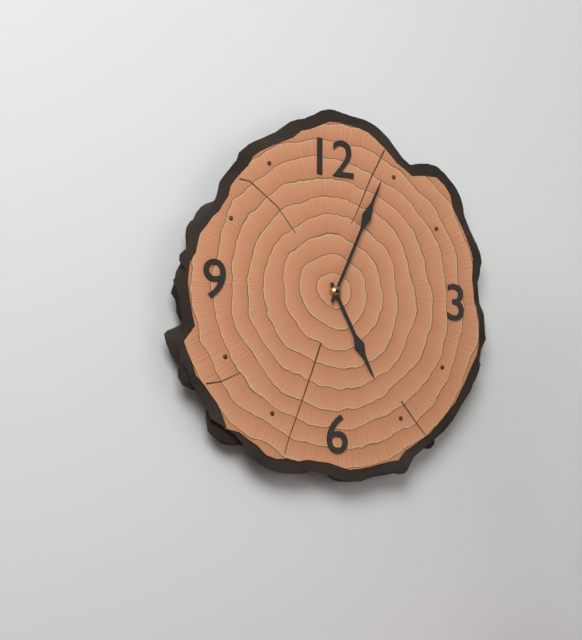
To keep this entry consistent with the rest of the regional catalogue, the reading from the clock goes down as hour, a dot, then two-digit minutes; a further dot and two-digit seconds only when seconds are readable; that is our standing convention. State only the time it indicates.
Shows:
5.04
